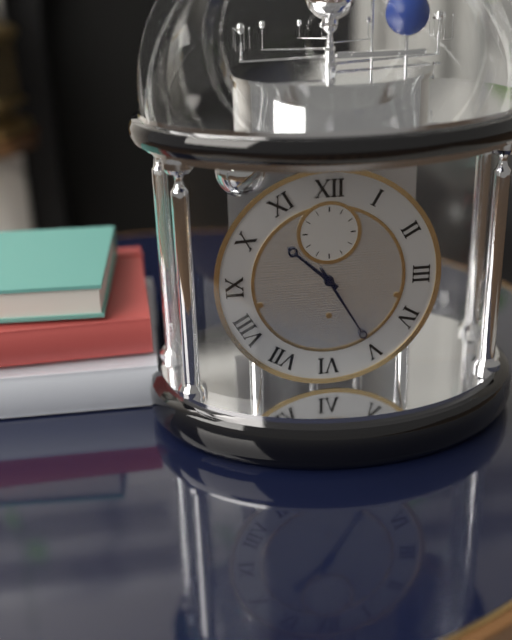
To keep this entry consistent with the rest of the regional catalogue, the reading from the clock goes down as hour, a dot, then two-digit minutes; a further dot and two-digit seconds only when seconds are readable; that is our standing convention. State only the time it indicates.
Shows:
10.25
